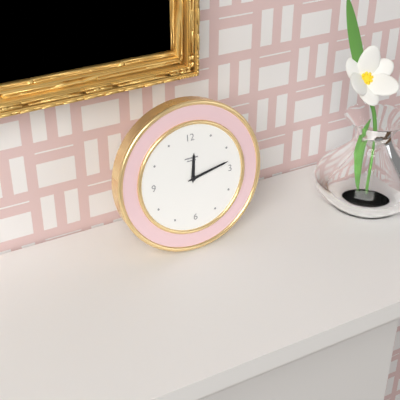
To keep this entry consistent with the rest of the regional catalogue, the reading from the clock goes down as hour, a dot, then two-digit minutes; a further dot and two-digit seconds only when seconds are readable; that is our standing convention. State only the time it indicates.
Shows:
12.13
